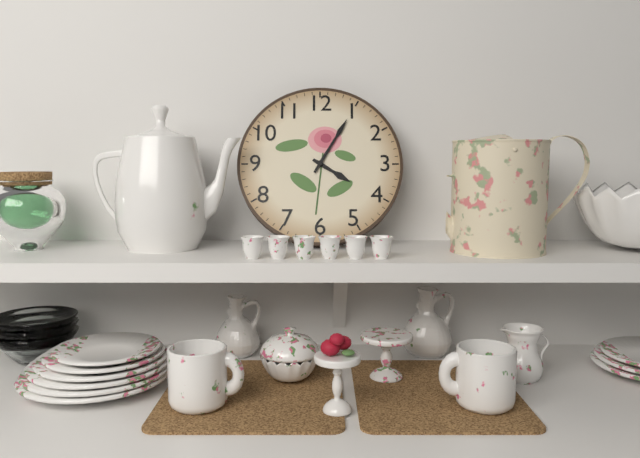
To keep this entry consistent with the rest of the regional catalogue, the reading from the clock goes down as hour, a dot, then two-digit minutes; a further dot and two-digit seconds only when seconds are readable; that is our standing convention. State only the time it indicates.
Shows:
4.05
